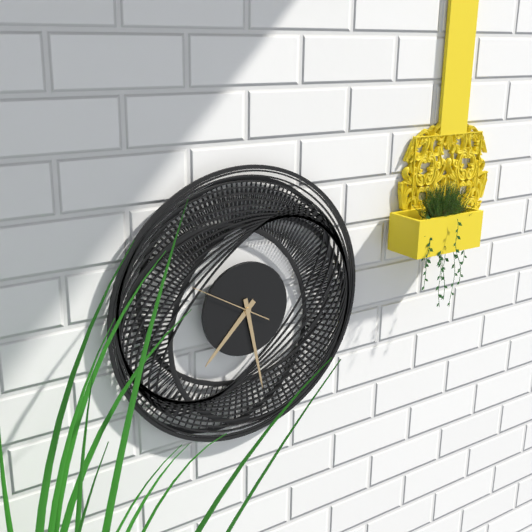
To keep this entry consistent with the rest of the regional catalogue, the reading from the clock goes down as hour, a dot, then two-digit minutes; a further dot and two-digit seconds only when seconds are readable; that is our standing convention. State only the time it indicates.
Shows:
7.28.50
